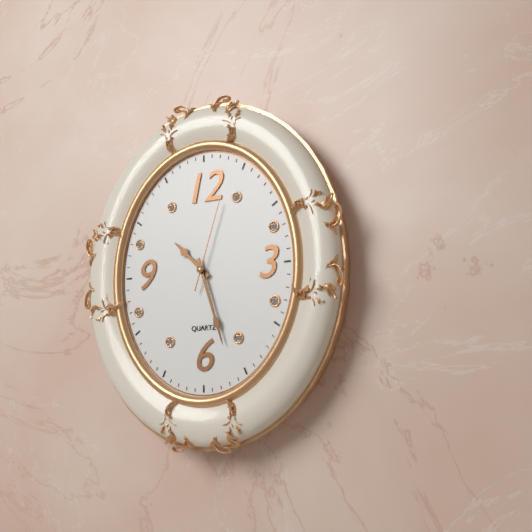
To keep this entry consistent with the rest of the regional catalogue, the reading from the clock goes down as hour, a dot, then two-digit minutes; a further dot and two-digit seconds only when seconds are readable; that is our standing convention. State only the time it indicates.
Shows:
10.27.03
